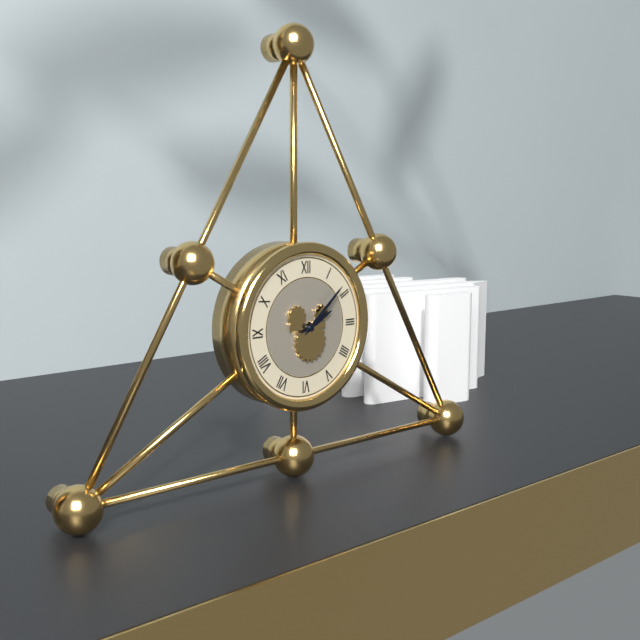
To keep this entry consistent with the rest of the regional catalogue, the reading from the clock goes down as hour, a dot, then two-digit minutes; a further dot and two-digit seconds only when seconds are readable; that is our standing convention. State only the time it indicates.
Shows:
2.08
